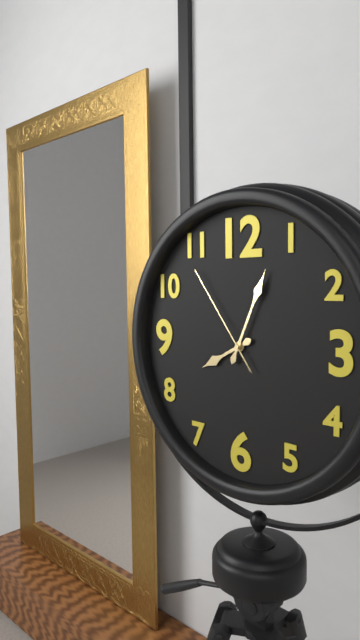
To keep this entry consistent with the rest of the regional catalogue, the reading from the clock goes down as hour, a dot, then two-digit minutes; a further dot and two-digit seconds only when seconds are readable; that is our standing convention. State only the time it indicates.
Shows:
8.04.54
